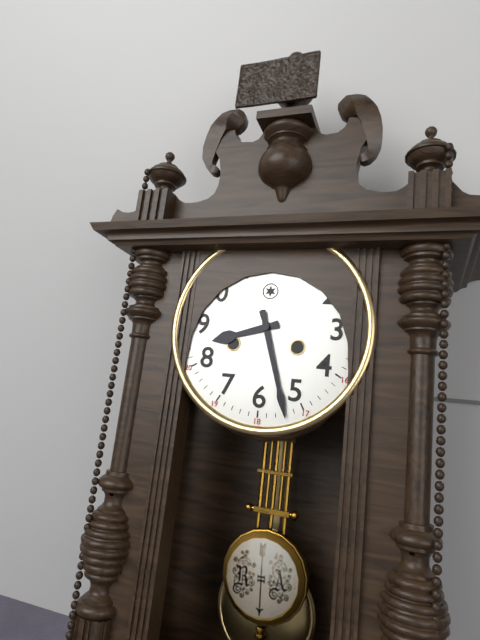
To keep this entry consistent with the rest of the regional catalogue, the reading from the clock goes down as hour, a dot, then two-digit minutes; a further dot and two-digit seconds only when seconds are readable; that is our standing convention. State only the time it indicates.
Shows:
8.27
